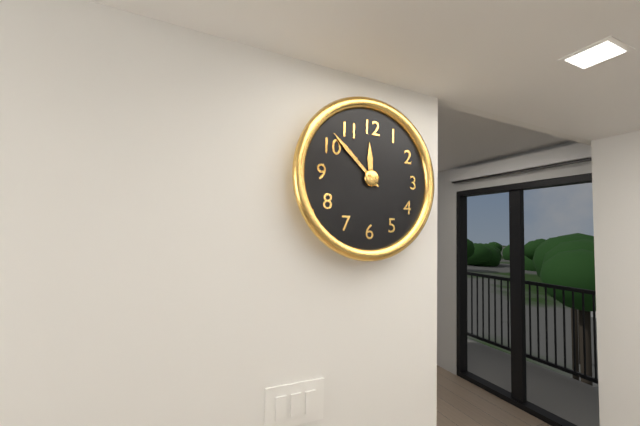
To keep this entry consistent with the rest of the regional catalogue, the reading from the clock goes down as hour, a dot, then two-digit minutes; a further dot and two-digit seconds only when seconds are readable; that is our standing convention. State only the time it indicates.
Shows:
11.52
